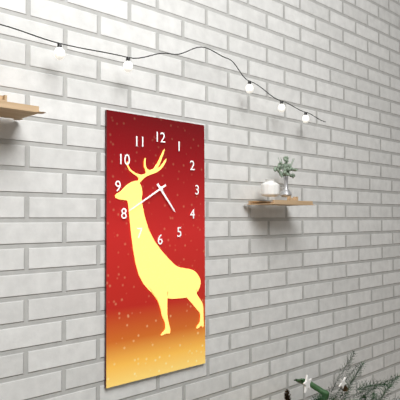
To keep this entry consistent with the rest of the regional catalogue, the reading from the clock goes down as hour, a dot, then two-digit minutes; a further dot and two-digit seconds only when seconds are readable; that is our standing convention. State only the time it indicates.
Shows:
4.40
